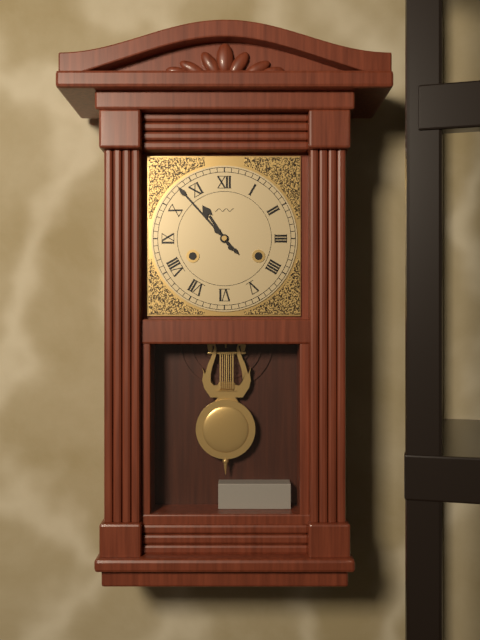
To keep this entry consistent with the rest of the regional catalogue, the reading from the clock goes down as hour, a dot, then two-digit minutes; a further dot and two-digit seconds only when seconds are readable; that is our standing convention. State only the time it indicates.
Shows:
10.53
